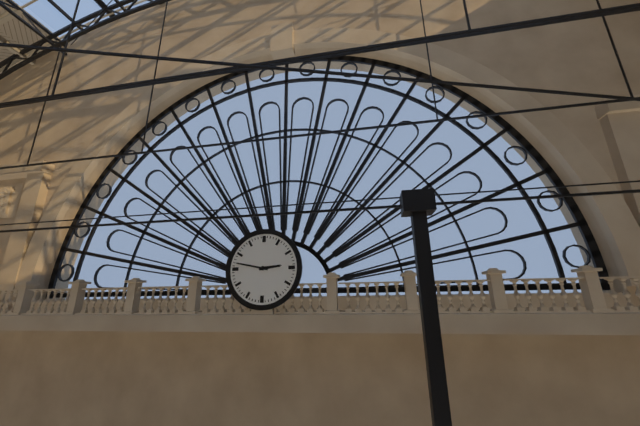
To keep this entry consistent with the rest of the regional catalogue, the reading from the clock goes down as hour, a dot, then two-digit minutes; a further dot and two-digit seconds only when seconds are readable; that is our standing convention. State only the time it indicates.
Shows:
2.47
